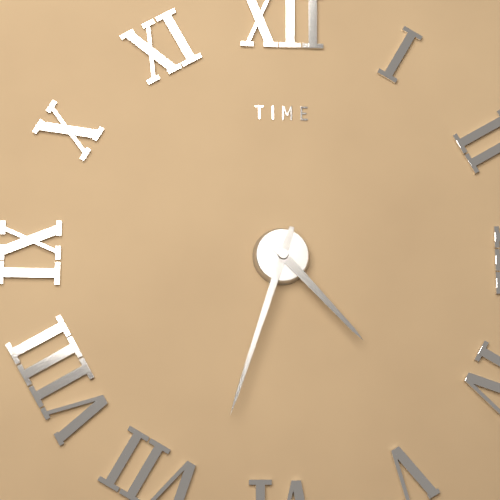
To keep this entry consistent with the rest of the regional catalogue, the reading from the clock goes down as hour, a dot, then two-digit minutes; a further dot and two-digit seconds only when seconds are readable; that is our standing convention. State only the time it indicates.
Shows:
4.33
